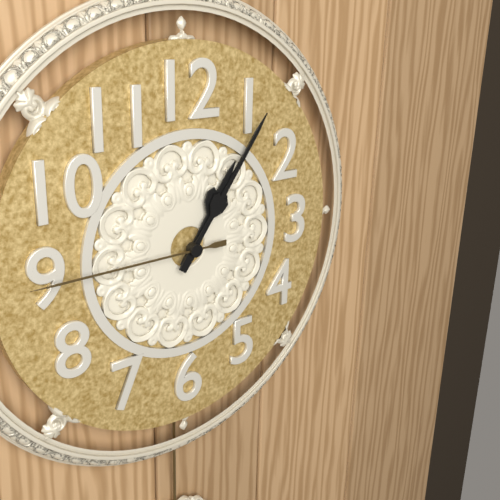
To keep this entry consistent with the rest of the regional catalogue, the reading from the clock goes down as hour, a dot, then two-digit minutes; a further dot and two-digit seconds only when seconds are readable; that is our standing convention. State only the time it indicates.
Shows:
1.06.45
